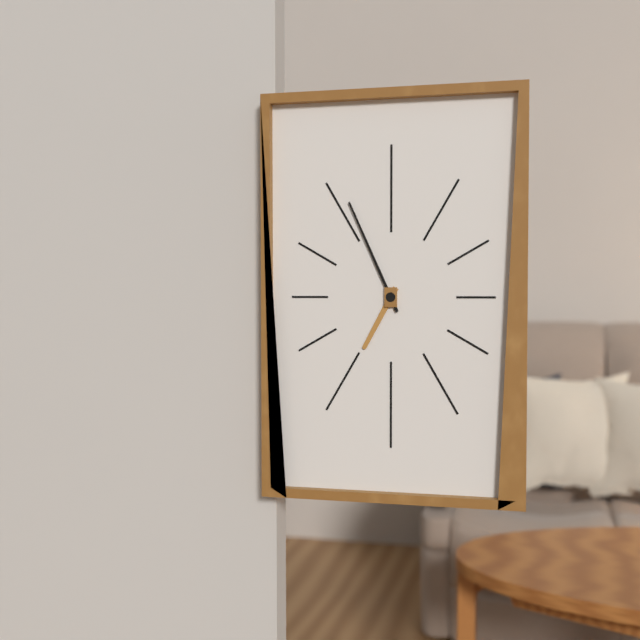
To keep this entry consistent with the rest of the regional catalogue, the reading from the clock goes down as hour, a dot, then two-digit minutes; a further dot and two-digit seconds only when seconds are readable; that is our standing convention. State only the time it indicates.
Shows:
6.56
